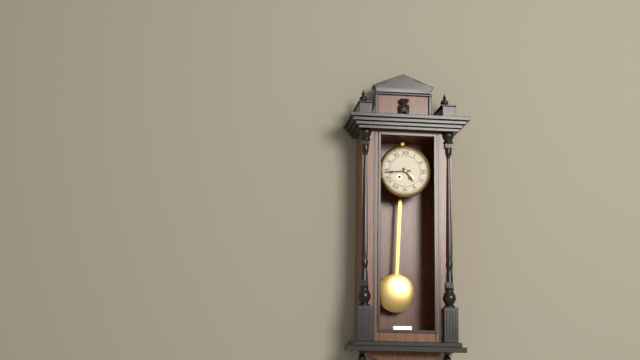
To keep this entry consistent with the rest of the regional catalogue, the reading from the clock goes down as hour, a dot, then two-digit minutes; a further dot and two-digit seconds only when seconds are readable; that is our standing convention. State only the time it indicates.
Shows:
4.44
